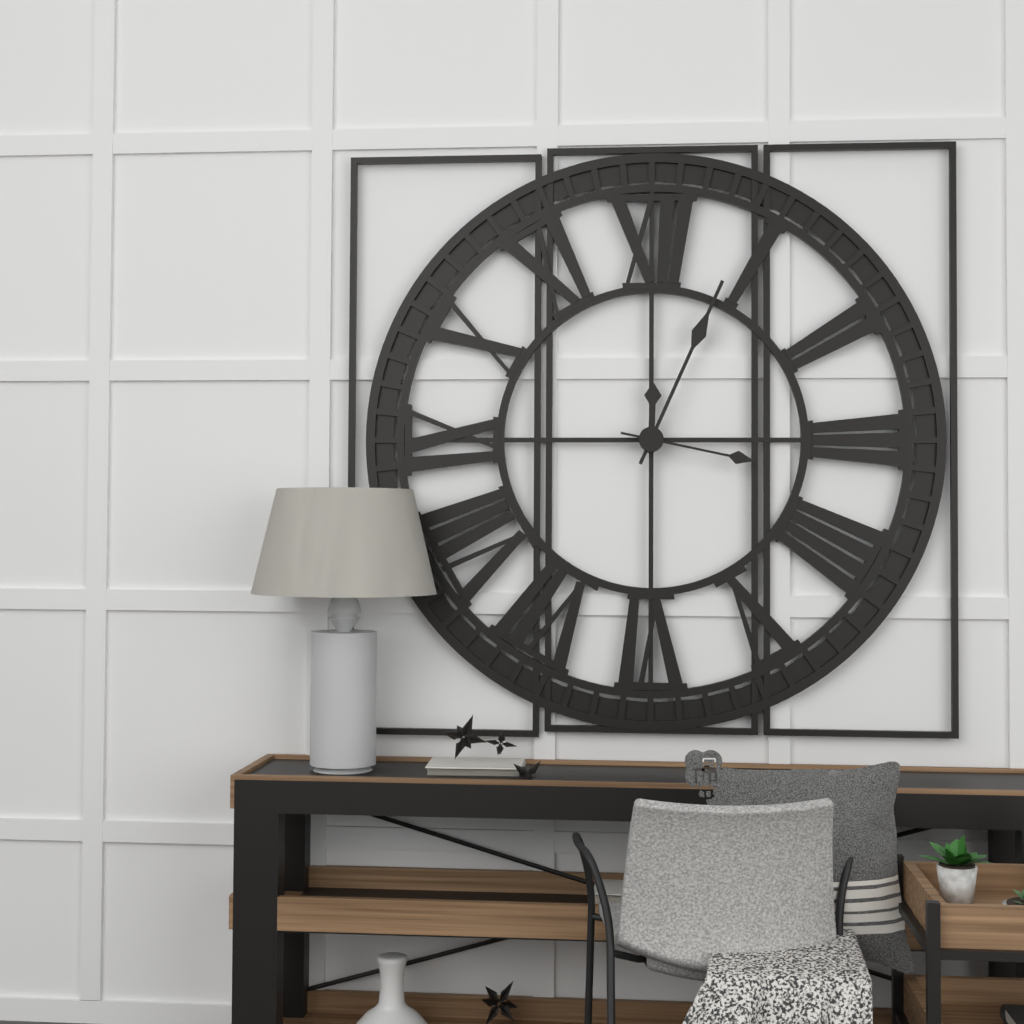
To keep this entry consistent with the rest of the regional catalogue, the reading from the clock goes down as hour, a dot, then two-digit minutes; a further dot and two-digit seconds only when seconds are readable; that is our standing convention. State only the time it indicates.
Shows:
12.04.17
